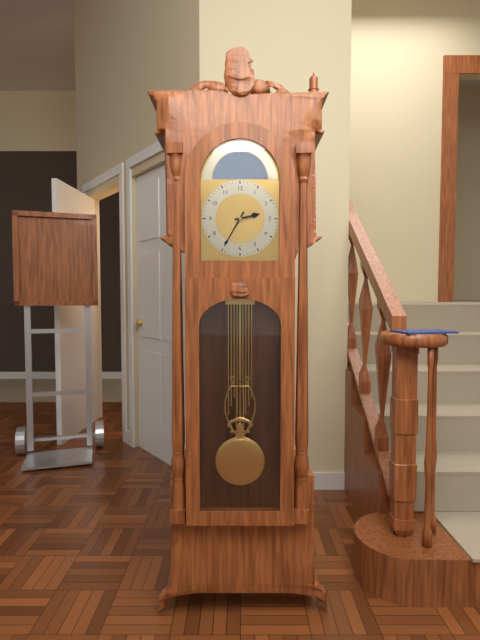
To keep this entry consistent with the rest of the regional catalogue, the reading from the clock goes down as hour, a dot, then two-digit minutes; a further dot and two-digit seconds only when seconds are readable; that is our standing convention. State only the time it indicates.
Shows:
2.35
